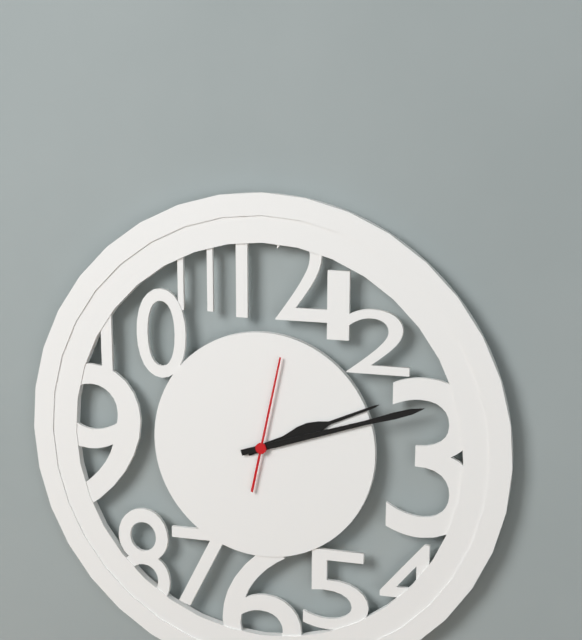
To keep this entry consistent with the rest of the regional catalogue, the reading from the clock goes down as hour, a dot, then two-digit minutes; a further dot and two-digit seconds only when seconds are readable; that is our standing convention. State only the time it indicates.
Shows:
2.12.02
